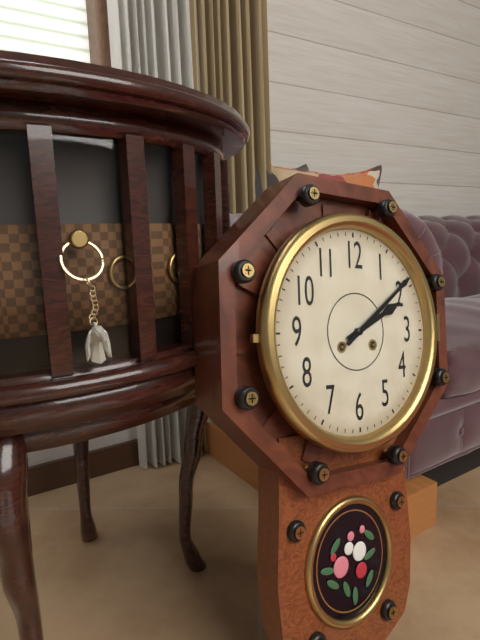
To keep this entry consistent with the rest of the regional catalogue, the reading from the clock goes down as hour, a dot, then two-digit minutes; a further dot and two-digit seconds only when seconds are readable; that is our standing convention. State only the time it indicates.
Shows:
2.09
